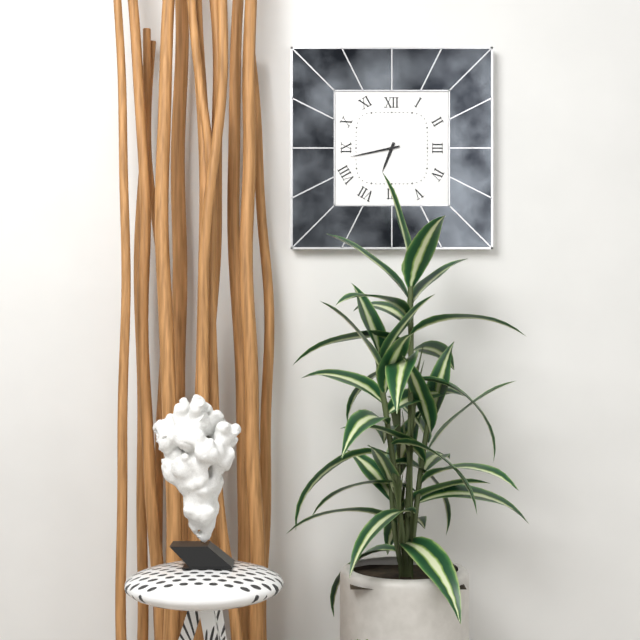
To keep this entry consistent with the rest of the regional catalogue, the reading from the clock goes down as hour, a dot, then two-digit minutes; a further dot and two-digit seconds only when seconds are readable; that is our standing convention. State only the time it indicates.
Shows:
6.43
